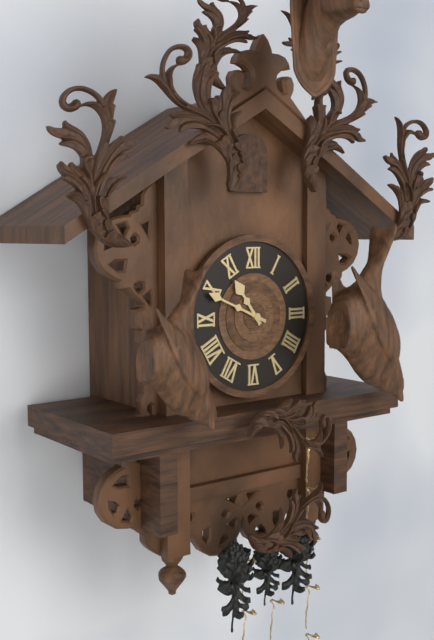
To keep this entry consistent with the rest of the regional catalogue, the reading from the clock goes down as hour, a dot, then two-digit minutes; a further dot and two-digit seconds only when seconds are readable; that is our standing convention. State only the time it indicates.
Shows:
10.49
